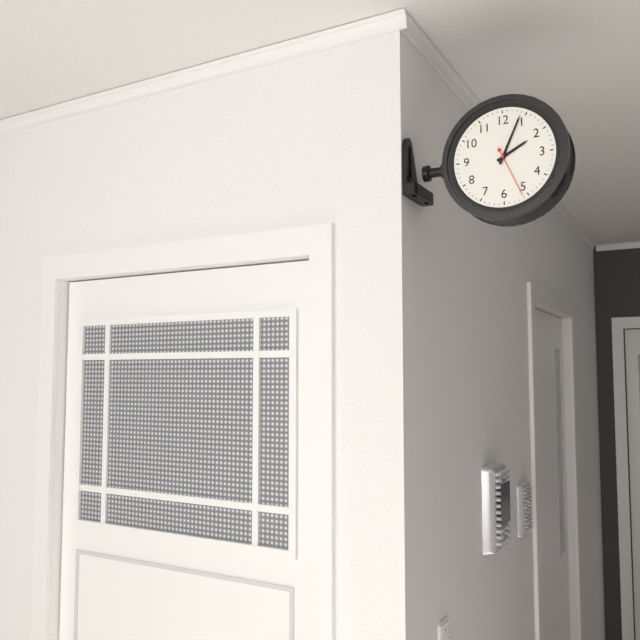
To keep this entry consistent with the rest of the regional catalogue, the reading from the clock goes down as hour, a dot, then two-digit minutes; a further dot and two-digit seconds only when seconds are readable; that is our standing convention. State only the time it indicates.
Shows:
2.04.26
